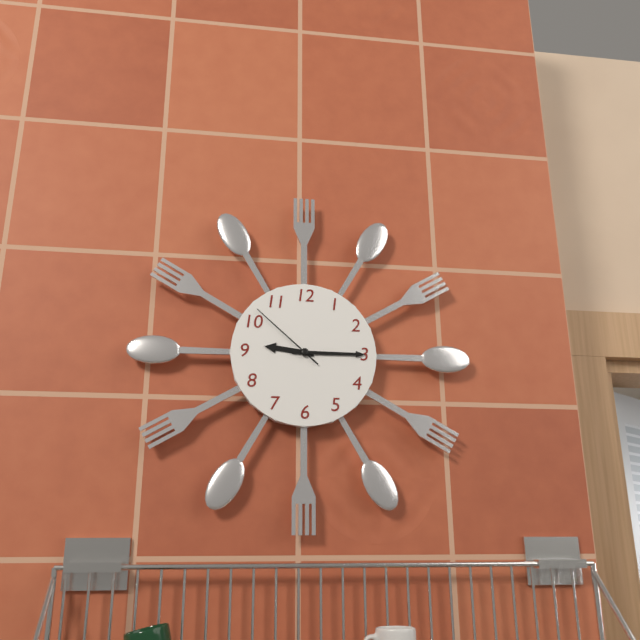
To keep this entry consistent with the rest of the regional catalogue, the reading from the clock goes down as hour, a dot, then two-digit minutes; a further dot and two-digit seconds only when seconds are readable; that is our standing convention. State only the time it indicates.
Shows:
9.15.52
